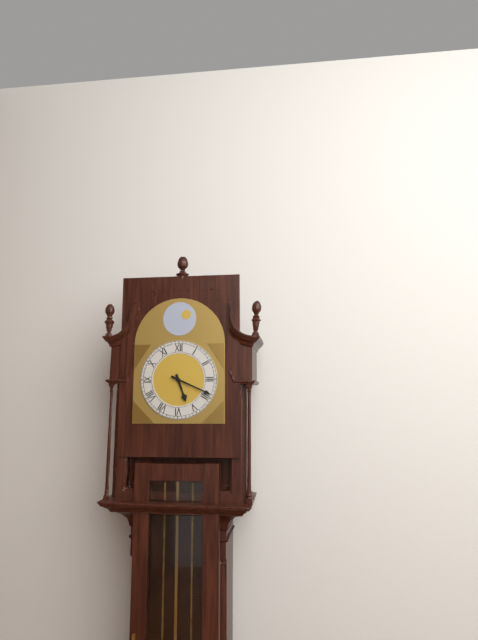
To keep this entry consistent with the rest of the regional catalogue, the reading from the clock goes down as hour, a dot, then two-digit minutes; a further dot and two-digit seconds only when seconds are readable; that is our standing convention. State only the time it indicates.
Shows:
5.19
